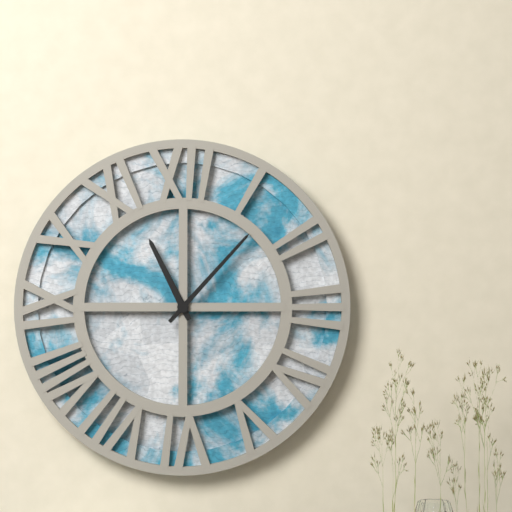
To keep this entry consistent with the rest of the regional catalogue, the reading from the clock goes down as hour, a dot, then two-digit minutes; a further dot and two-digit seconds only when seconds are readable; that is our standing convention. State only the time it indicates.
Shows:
11.07
